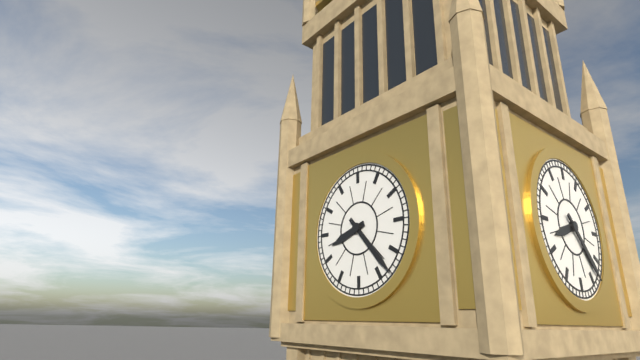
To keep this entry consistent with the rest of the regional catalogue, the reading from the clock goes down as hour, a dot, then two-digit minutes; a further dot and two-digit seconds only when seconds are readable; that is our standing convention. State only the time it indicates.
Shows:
8.23
